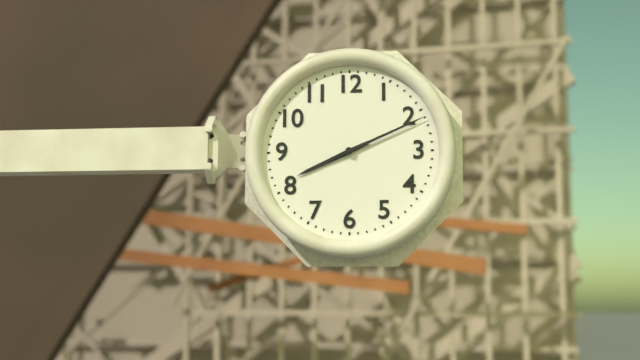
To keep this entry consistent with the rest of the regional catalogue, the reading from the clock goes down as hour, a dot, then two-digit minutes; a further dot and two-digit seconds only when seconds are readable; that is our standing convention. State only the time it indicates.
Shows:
8.11
